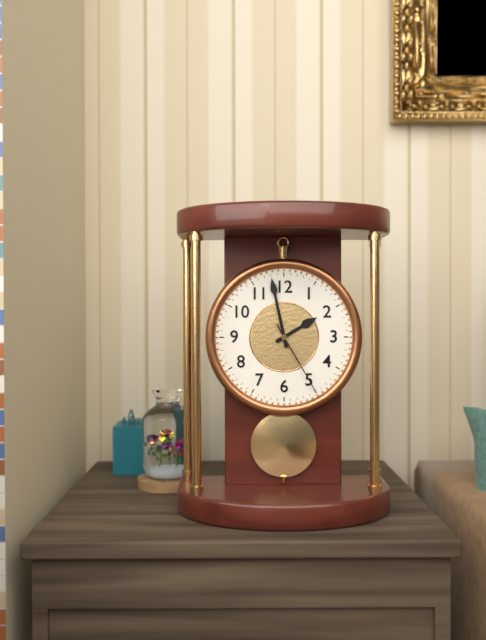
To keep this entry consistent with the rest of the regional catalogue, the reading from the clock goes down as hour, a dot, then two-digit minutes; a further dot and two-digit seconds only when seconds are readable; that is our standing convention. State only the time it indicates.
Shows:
1.58.25
